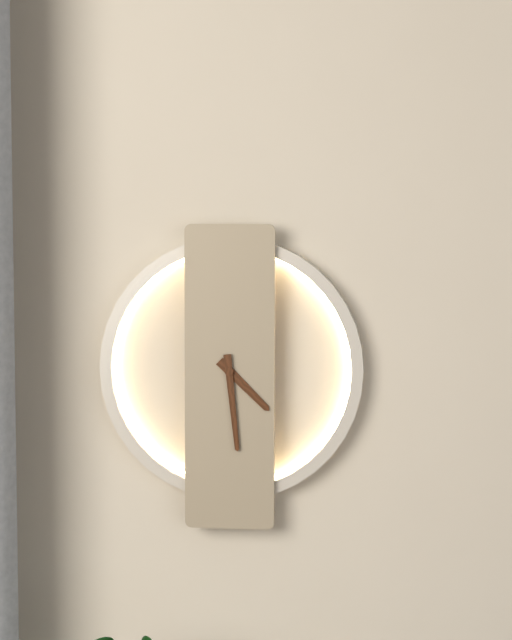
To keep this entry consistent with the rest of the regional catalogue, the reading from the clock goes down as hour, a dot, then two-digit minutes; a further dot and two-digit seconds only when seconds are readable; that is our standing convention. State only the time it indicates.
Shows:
4.29
